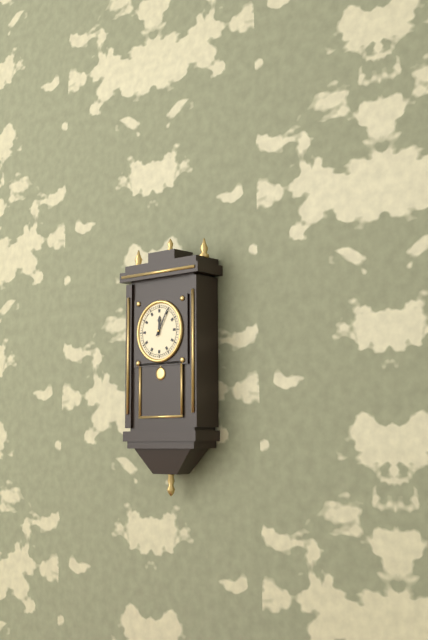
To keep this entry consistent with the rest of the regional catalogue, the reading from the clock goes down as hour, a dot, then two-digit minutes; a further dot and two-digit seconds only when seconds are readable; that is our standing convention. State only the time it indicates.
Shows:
12.05
